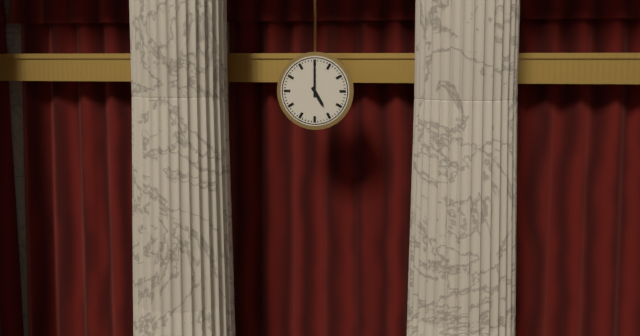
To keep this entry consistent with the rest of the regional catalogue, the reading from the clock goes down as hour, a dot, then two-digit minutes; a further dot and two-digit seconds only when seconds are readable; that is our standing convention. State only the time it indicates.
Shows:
5.00
